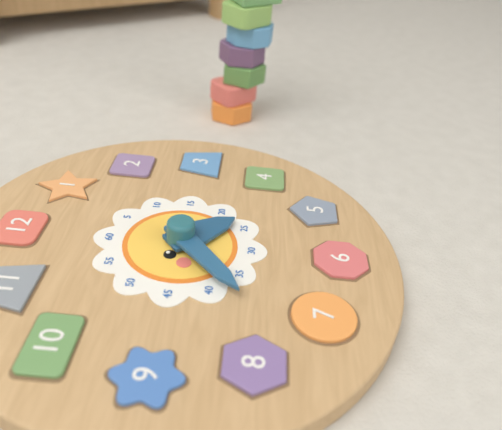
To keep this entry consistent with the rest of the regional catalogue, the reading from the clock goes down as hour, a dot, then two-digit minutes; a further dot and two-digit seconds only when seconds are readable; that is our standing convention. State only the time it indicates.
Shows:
4.38
